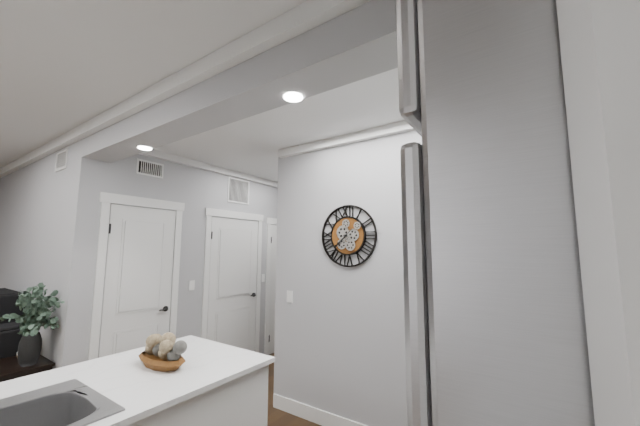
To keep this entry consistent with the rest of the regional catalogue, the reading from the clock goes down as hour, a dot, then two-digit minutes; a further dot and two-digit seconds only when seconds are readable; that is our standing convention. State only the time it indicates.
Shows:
7.38
